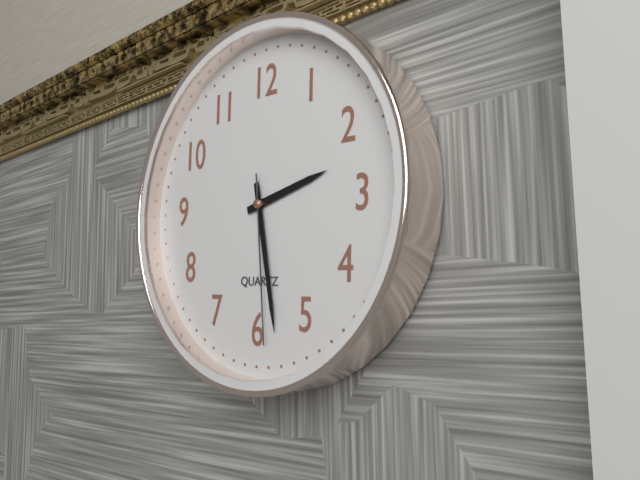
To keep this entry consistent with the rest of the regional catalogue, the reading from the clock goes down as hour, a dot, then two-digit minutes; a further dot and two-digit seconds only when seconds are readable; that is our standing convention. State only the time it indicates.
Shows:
2.28.29
